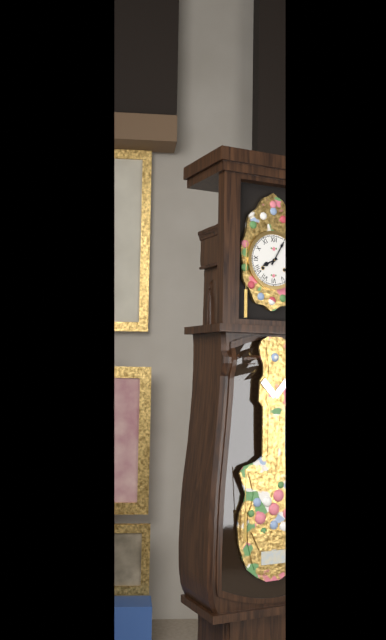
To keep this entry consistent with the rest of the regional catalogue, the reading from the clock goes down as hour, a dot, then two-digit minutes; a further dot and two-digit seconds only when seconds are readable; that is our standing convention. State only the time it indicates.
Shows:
8.05
